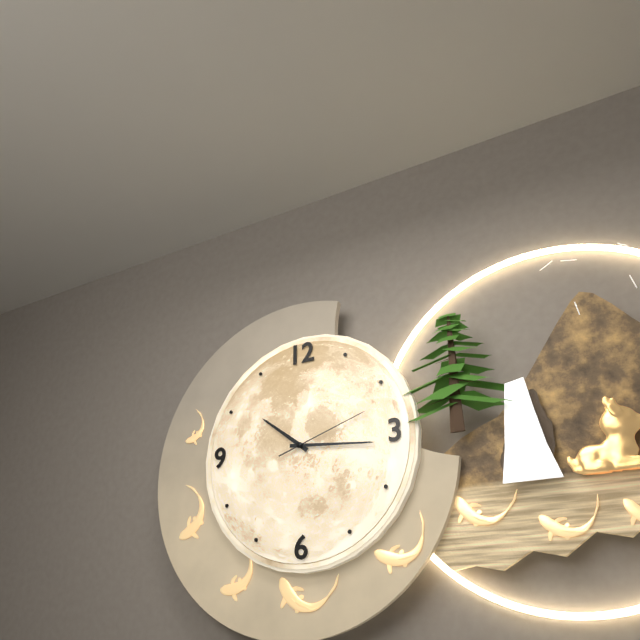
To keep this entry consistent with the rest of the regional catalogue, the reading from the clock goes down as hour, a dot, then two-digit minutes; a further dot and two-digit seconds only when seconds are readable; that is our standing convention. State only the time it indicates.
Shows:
10.16.12
